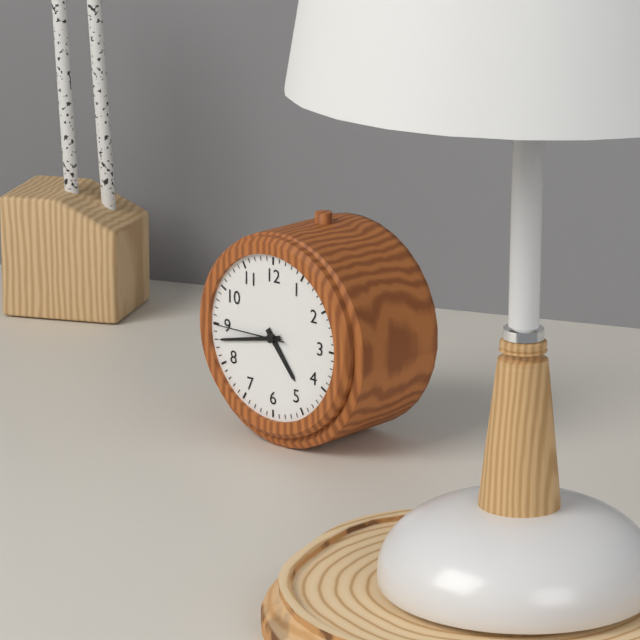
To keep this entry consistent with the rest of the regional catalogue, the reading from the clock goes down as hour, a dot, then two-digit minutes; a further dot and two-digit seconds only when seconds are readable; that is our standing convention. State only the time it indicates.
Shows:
4.43.45
